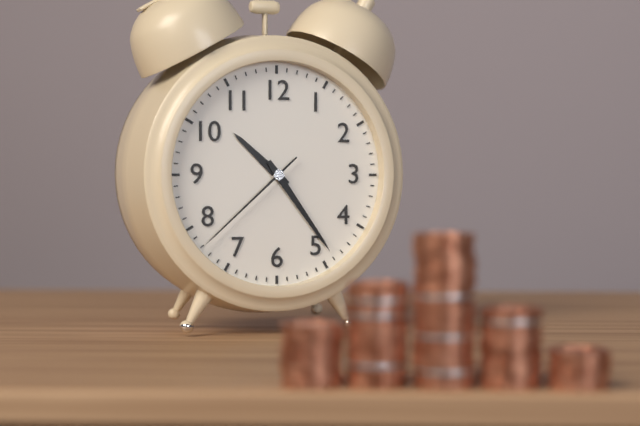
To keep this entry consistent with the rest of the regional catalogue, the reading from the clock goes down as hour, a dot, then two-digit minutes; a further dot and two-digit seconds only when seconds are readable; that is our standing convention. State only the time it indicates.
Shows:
10.24.38
